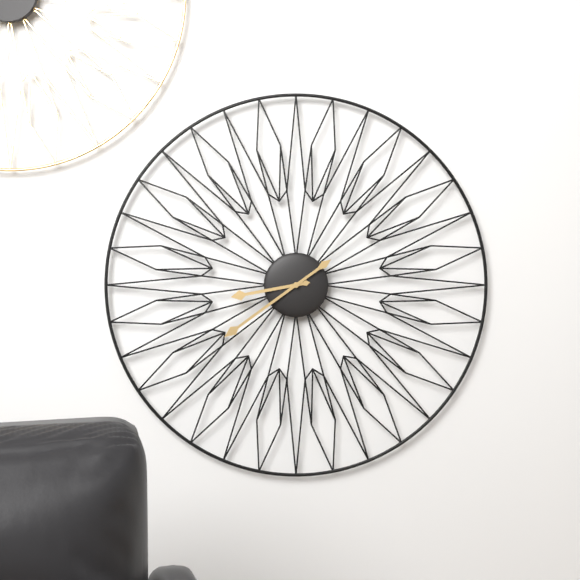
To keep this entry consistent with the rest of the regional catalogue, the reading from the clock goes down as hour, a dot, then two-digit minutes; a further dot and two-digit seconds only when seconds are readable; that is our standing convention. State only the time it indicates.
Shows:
8.39
